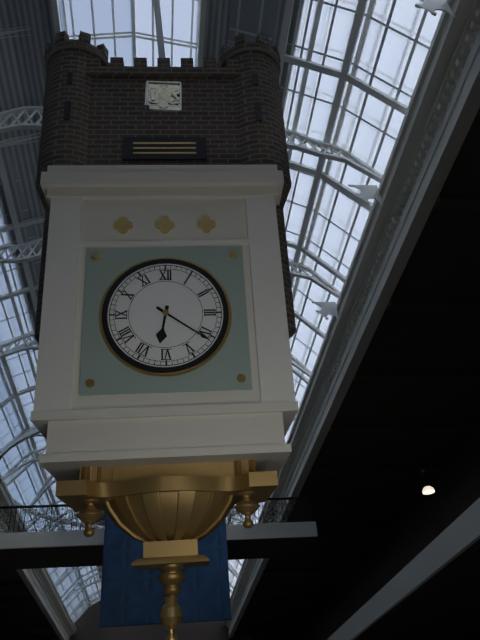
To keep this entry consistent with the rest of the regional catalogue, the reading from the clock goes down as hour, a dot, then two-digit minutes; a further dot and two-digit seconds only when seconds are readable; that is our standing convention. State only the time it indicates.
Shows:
6.21
